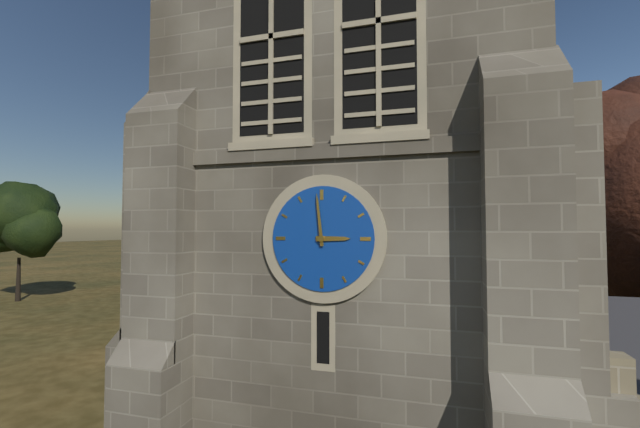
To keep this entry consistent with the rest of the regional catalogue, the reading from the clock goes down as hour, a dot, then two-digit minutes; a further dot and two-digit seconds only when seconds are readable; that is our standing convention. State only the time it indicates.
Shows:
2.59
